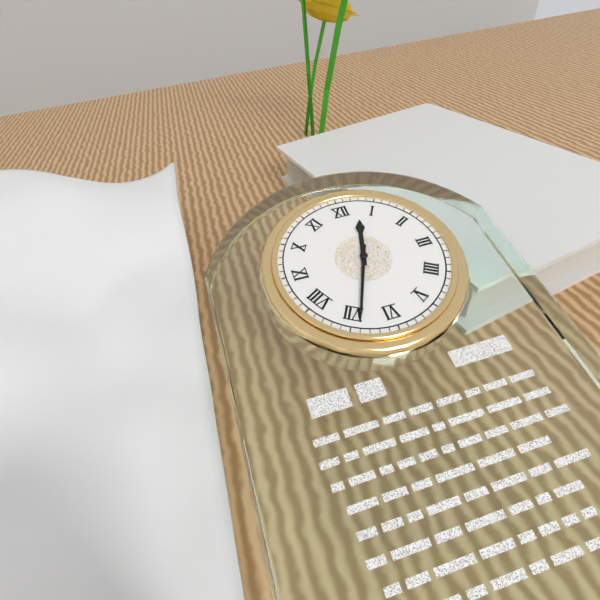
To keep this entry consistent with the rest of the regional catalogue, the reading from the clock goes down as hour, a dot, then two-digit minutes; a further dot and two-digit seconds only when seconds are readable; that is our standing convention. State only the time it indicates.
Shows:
12.34
